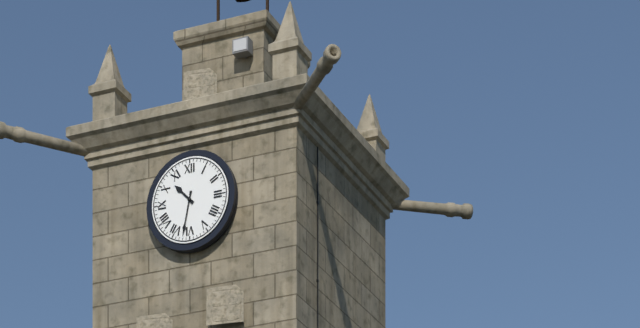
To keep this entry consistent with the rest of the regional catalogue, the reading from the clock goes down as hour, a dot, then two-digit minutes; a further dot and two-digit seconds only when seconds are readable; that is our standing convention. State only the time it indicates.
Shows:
10.32
